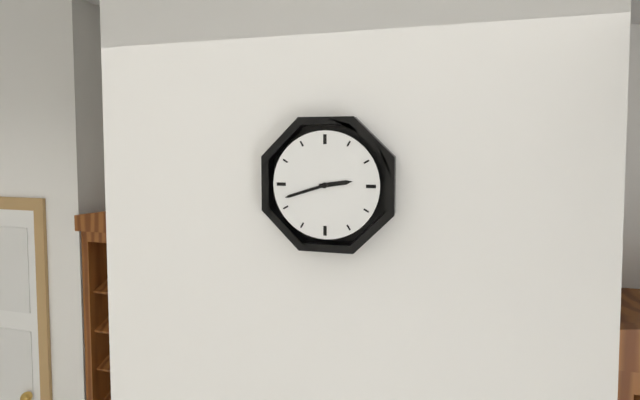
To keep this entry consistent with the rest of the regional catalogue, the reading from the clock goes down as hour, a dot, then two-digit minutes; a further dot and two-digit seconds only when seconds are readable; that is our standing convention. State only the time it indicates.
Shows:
2.42
